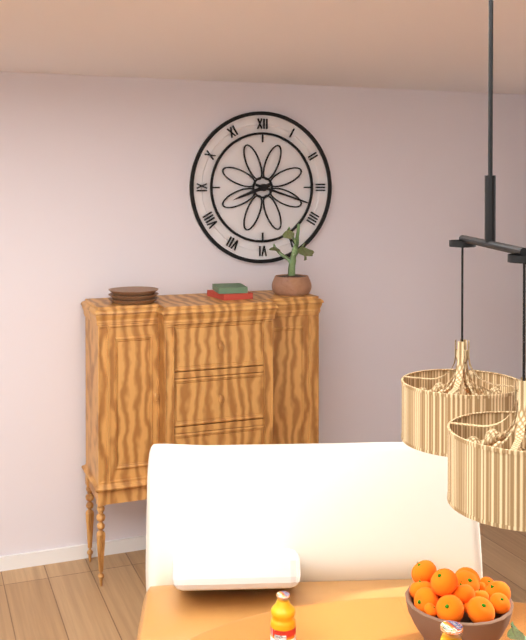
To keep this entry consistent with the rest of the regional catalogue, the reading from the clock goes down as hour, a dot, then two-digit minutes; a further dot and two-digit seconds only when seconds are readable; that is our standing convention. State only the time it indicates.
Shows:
8.18
